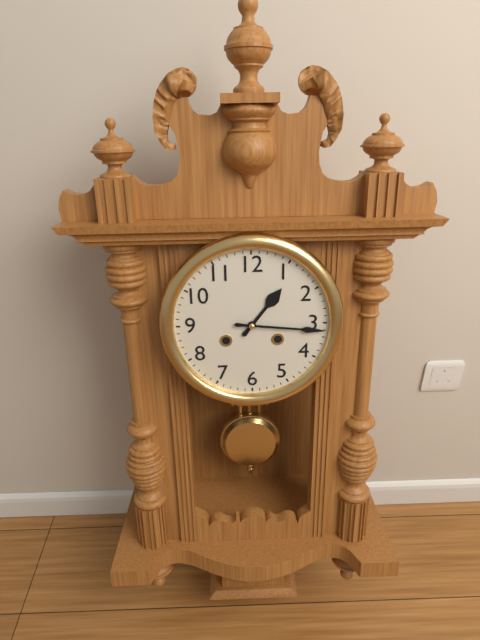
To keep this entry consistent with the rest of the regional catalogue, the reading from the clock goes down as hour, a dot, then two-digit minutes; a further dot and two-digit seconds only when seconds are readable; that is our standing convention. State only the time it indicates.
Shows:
1.16
